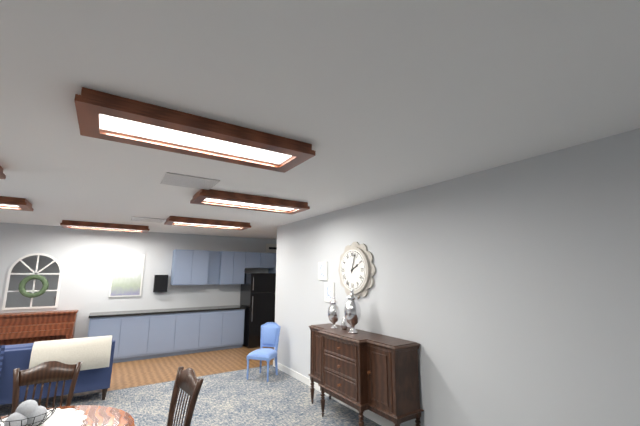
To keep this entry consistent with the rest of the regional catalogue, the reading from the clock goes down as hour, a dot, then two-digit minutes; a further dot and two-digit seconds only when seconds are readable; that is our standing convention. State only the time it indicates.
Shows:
2.03
